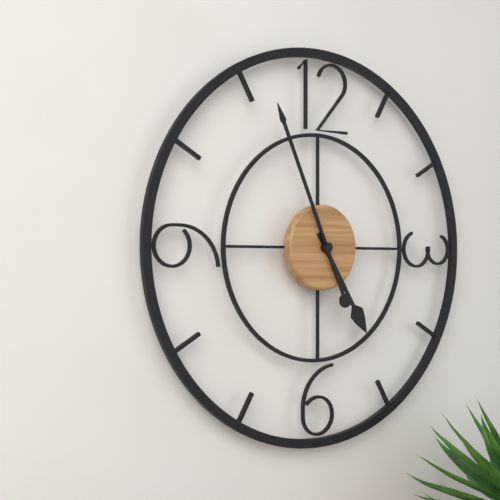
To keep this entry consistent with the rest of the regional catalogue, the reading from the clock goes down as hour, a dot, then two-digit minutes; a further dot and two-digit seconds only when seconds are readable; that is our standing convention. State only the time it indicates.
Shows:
4.56
